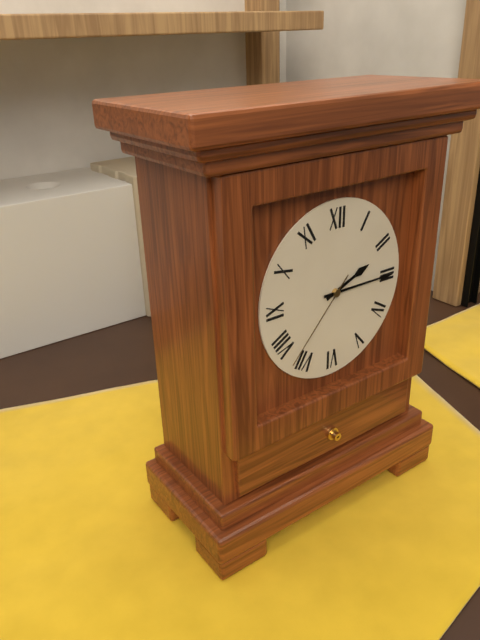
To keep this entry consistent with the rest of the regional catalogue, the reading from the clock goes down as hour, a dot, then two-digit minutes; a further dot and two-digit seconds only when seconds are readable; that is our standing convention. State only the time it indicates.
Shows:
2.15.37
